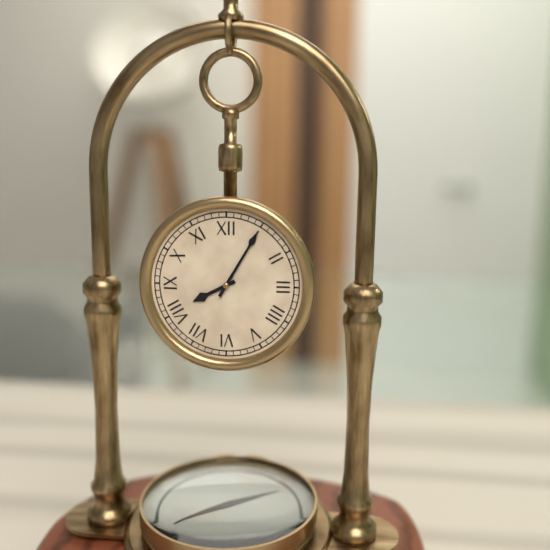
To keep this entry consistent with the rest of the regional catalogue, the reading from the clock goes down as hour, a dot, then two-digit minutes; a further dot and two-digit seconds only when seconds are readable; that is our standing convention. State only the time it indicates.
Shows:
8.05
